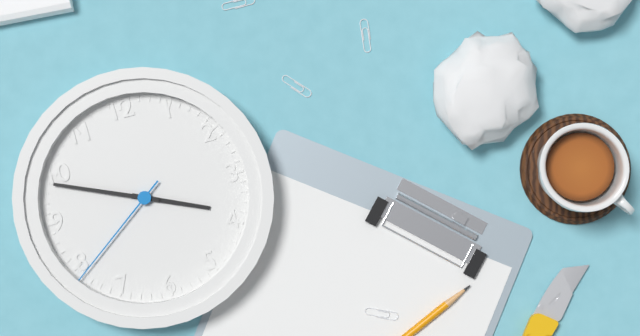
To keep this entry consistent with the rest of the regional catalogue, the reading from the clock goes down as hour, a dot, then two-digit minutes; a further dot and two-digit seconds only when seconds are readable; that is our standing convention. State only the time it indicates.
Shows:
3.49.39
